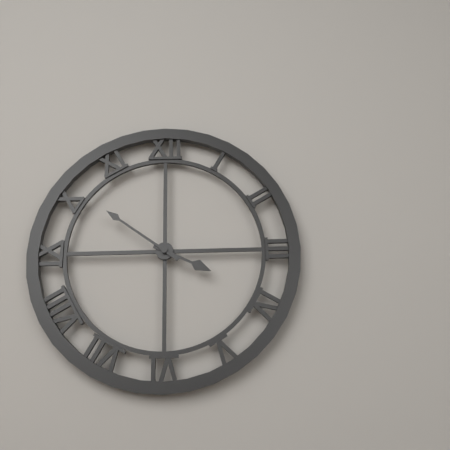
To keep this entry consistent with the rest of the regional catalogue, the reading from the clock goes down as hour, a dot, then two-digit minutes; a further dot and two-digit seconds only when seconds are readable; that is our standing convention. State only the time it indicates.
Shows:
3.51
